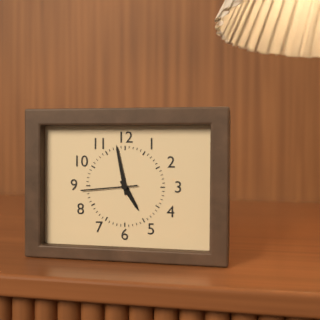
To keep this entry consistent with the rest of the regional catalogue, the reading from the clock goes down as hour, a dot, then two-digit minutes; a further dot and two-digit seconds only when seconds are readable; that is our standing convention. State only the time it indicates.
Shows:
4.58.44
